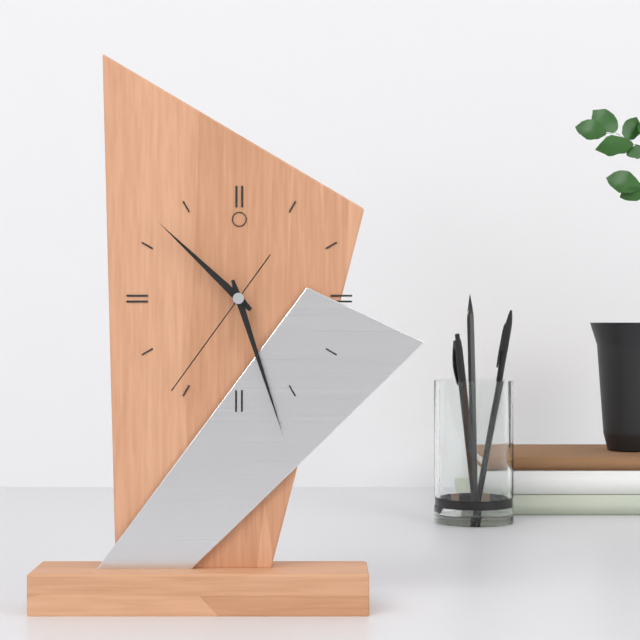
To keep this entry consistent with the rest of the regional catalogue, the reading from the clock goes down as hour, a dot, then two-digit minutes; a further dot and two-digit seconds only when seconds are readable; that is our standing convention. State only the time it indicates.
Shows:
10.27.36
